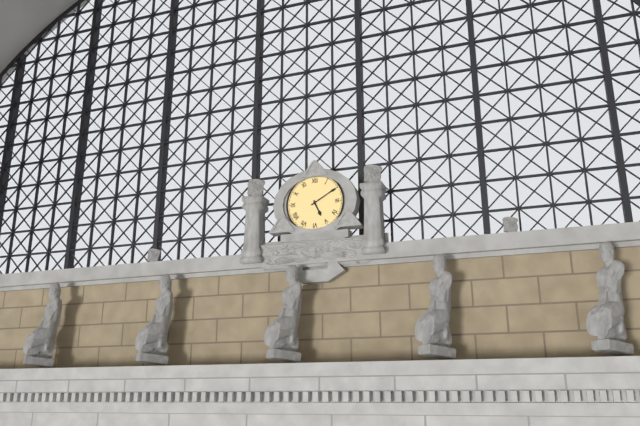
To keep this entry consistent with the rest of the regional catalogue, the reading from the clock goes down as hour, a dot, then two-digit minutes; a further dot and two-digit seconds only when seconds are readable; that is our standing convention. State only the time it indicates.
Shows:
5.10
